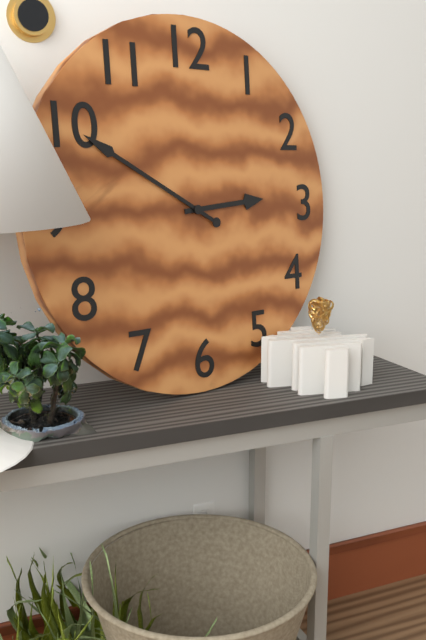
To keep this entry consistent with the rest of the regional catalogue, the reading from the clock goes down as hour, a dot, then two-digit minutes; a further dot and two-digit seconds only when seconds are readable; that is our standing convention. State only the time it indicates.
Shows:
2.50
